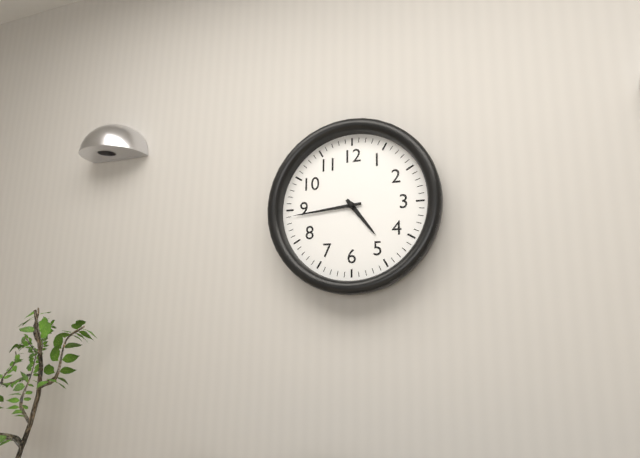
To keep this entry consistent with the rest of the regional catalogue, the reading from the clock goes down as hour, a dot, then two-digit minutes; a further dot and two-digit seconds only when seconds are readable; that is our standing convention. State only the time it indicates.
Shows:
4.44
